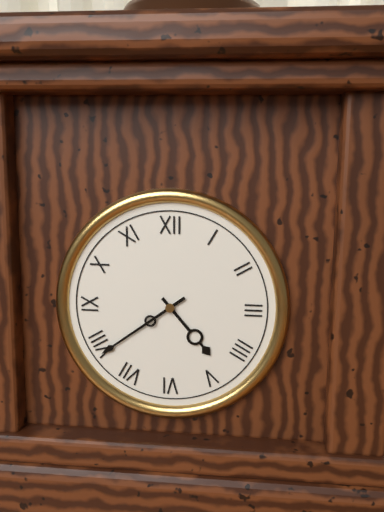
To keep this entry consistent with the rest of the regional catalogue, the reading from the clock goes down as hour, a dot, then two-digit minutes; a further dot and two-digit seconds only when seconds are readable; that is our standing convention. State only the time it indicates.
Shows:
4.39
